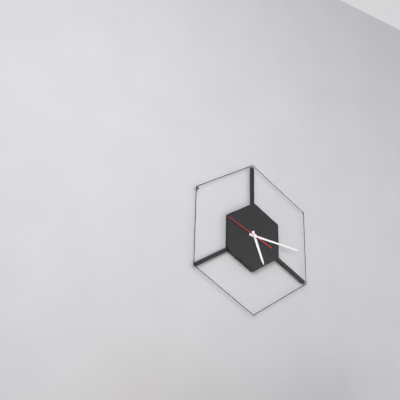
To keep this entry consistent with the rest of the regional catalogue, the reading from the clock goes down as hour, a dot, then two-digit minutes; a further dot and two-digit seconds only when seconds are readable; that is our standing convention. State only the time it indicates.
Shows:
5.16
